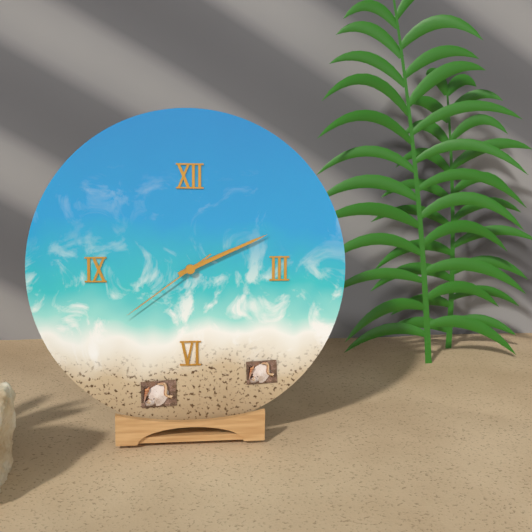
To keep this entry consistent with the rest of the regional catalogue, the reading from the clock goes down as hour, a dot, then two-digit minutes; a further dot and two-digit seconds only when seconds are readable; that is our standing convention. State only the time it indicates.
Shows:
2.11.39
